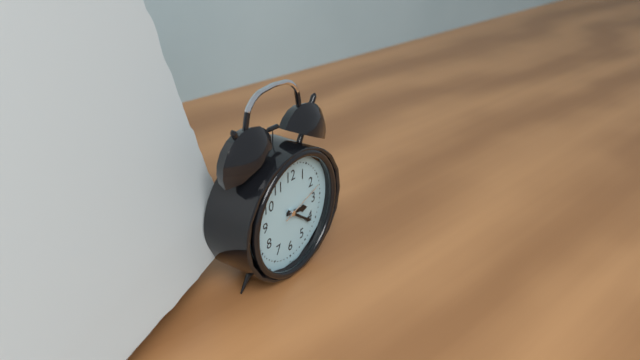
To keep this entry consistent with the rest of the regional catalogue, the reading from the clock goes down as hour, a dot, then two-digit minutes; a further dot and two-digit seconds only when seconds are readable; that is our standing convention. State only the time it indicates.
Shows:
3.21
